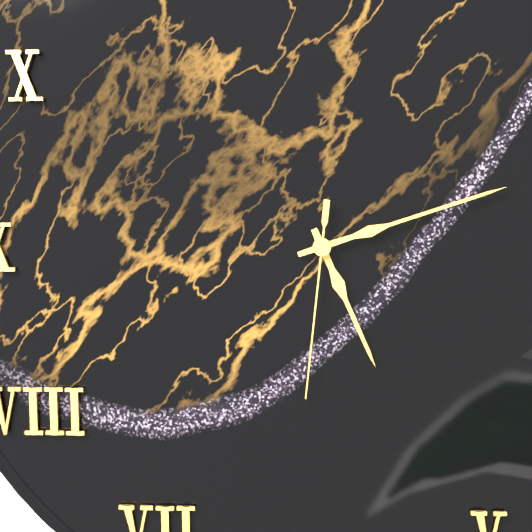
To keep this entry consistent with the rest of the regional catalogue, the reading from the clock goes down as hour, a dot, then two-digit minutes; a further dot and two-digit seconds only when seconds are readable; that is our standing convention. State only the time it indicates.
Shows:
5.12.31
